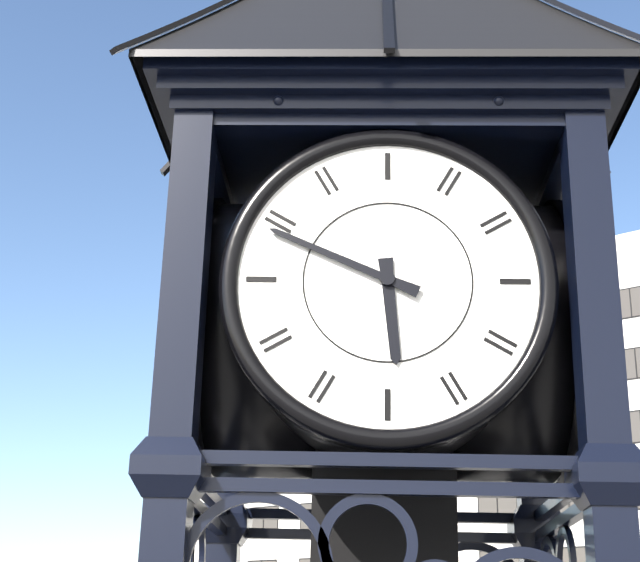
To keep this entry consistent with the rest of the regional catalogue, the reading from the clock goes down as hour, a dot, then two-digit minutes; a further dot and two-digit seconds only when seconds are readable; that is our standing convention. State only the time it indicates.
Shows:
5.49
